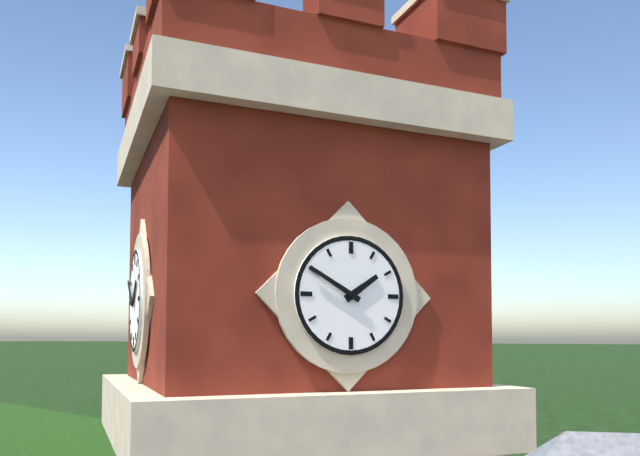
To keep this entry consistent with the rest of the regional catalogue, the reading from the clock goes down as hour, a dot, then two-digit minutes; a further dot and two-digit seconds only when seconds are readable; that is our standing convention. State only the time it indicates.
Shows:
1.50
